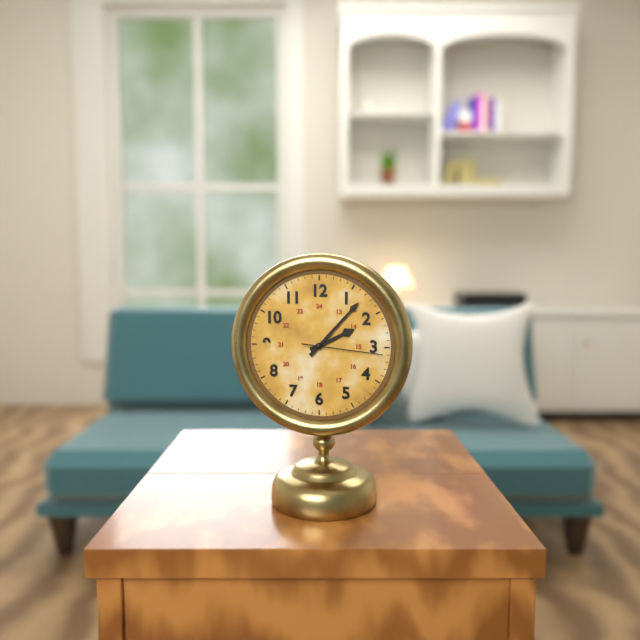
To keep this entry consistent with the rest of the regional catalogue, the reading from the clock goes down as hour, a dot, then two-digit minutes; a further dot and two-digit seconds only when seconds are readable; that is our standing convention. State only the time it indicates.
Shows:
2.07.16
